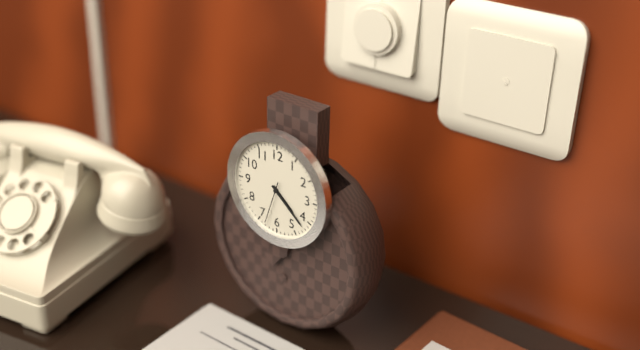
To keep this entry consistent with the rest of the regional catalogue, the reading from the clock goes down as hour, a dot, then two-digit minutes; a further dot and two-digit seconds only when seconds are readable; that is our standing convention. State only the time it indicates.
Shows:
4.22
